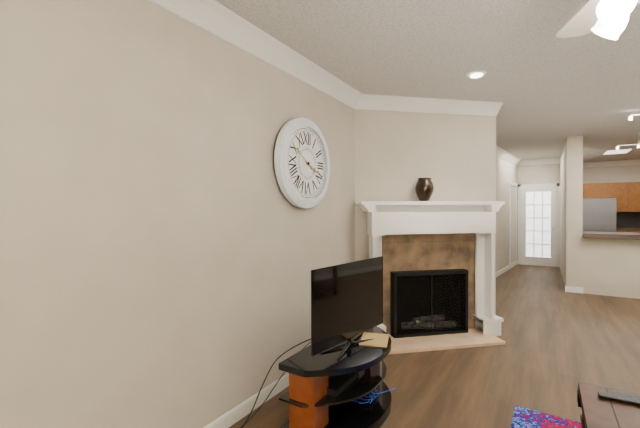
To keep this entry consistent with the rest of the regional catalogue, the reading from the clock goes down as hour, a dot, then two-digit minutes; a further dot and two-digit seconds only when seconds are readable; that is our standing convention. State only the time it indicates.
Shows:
3.50
